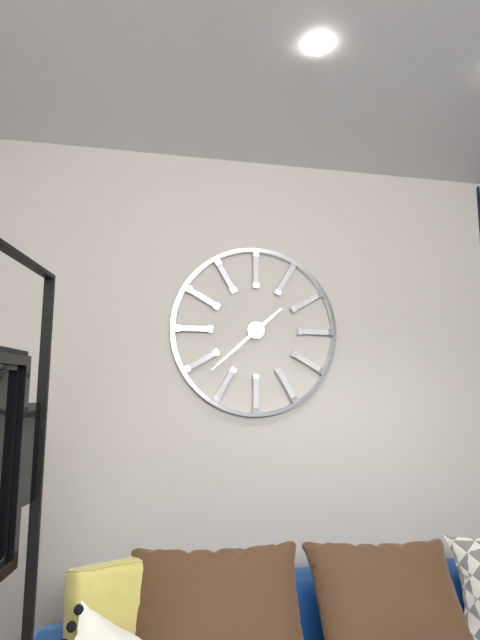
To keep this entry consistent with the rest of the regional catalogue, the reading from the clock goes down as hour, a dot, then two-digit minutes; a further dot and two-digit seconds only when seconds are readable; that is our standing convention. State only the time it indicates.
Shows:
1.38
